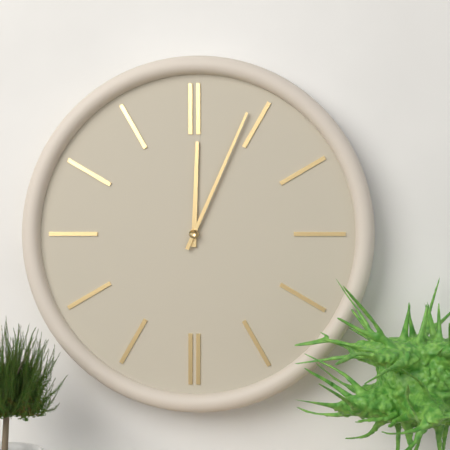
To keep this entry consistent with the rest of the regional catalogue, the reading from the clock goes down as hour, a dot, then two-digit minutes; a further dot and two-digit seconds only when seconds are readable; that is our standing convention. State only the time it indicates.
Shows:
12.04
